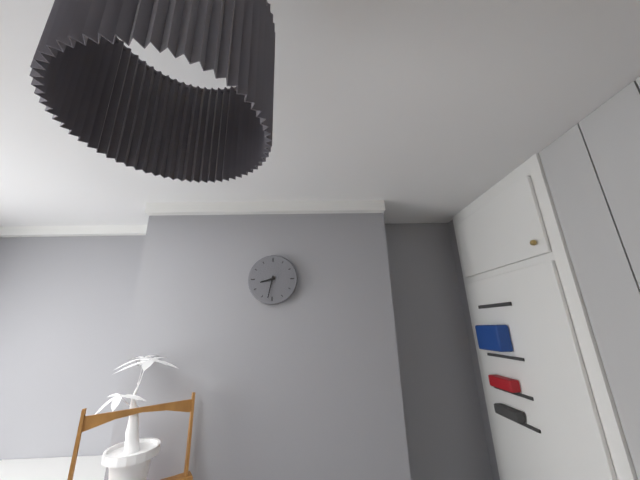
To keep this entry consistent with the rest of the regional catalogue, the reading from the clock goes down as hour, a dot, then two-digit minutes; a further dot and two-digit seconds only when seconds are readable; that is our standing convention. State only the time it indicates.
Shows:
8.32
